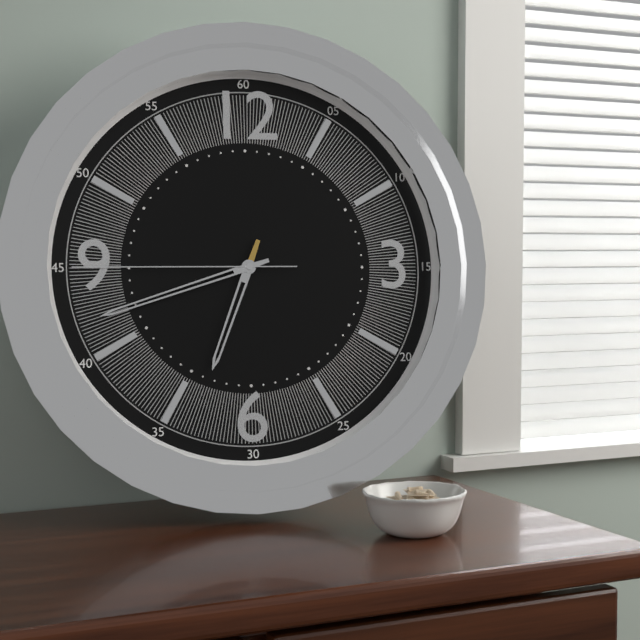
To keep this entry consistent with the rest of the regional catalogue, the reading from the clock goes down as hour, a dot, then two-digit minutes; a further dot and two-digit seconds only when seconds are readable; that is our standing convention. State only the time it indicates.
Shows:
6.42.45
